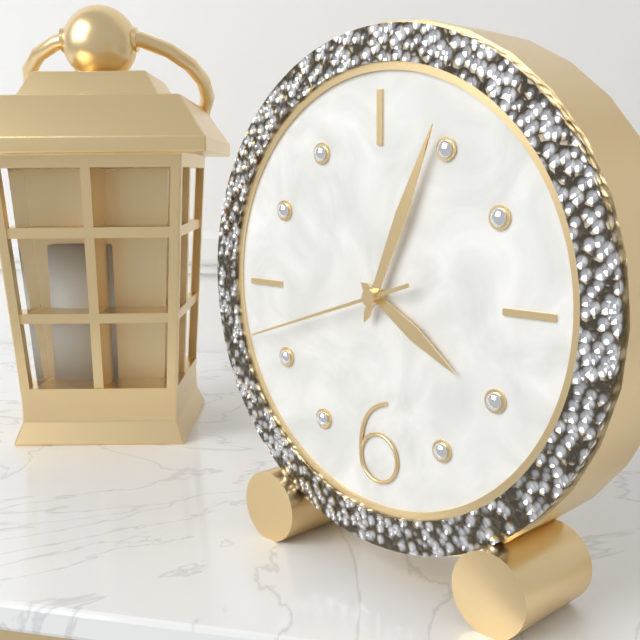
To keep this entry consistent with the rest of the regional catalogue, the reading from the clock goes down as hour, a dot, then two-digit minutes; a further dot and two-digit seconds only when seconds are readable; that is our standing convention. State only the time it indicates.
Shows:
4.04.42
